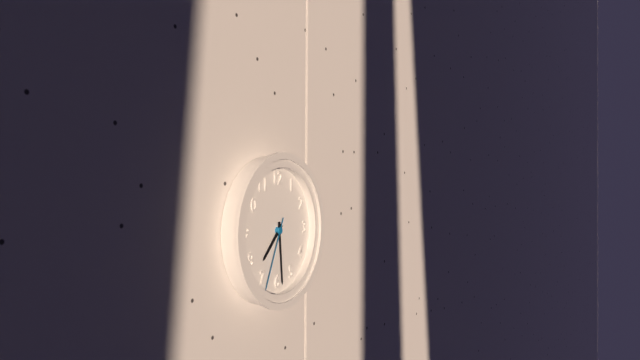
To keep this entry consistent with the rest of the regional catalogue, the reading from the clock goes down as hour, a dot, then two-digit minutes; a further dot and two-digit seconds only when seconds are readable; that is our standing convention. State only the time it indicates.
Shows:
7.29.34
